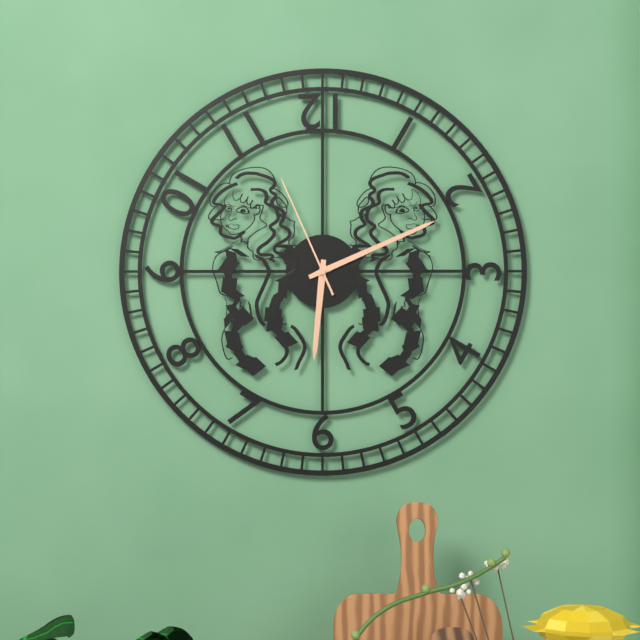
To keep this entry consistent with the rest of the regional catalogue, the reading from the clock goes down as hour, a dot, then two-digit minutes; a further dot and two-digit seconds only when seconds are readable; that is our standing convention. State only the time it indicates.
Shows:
6.11.56
